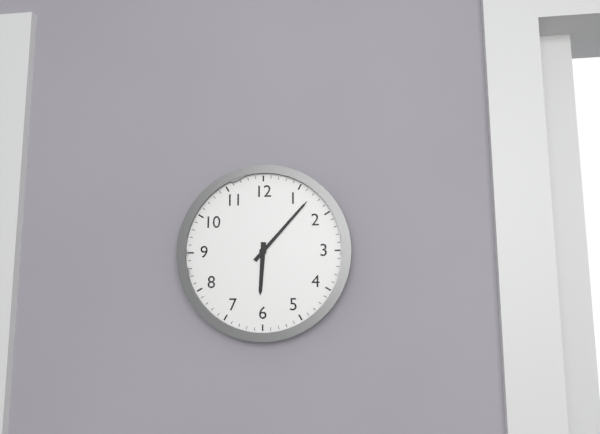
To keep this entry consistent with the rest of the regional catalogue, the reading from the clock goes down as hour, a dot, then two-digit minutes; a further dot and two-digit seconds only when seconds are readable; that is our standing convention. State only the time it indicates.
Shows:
6.07
